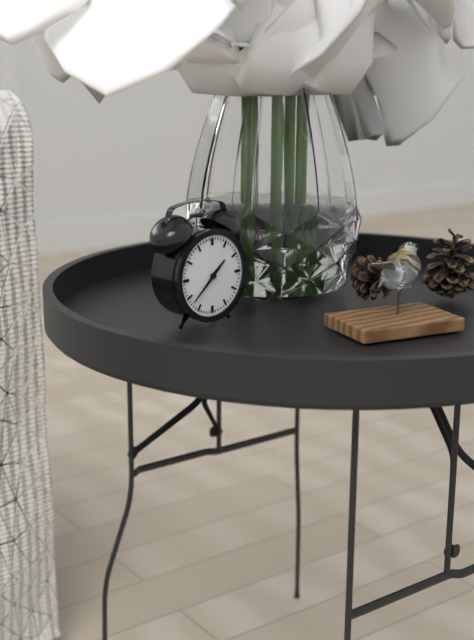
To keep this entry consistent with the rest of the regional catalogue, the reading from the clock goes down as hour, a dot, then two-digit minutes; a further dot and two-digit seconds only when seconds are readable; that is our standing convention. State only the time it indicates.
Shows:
1.38
